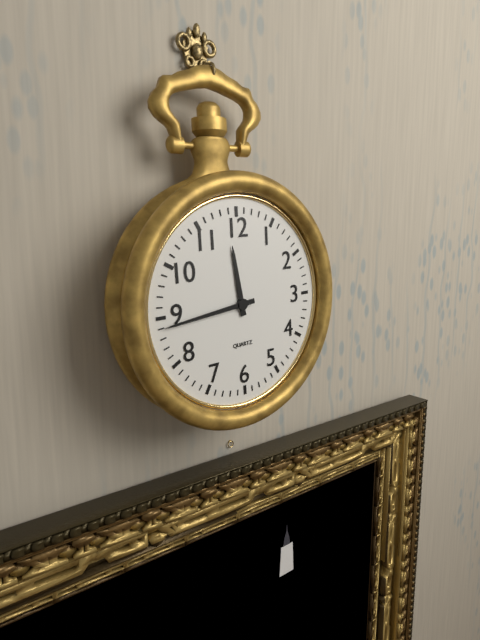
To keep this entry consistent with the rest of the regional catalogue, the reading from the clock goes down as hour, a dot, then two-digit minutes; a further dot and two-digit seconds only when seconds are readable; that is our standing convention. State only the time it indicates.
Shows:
11.44
